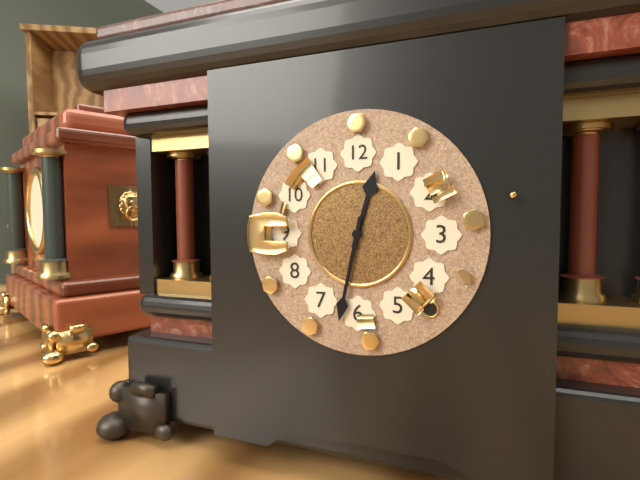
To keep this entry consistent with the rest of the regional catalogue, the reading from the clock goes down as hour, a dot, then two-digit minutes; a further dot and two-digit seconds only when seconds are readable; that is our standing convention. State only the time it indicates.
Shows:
12.32
